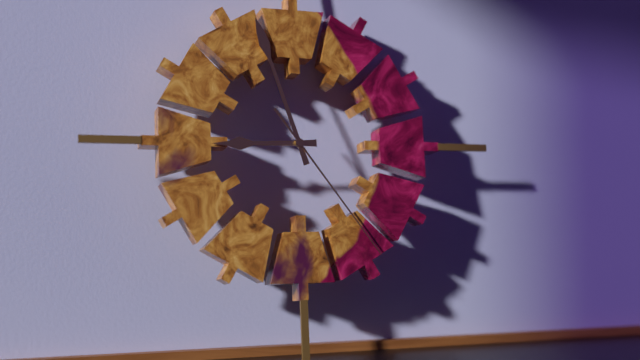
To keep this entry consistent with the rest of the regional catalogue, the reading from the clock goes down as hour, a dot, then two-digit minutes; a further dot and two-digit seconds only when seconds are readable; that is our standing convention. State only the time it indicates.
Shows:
8.57.24
